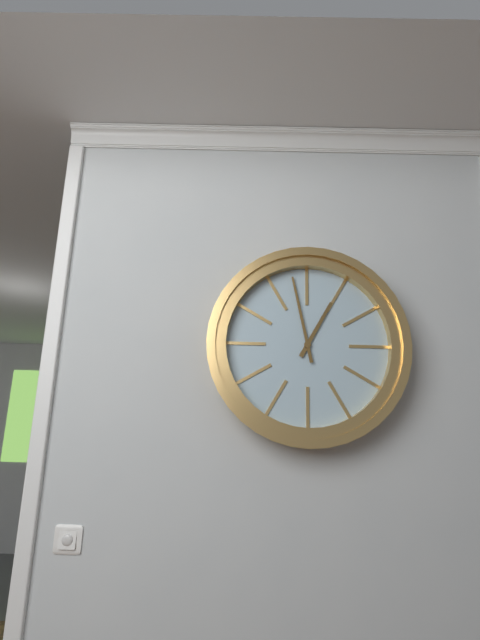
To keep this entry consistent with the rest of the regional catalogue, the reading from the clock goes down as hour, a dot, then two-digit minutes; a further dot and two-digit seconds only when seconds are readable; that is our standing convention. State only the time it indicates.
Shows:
12.58
